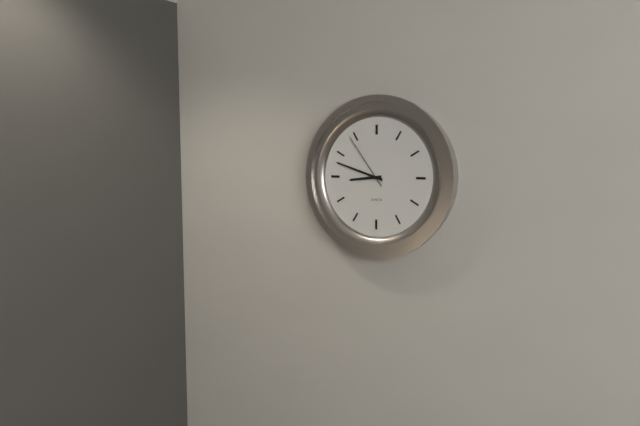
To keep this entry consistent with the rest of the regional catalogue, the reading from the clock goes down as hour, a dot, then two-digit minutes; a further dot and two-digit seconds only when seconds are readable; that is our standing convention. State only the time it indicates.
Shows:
8.48.54
